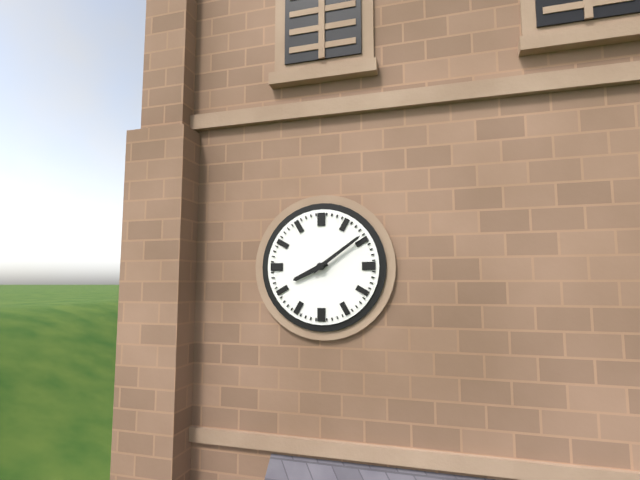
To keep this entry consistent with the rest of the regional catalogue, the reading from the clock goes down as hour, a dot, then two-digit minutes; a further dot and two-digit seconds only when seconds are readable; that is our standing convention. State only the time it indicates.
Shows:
8.09
